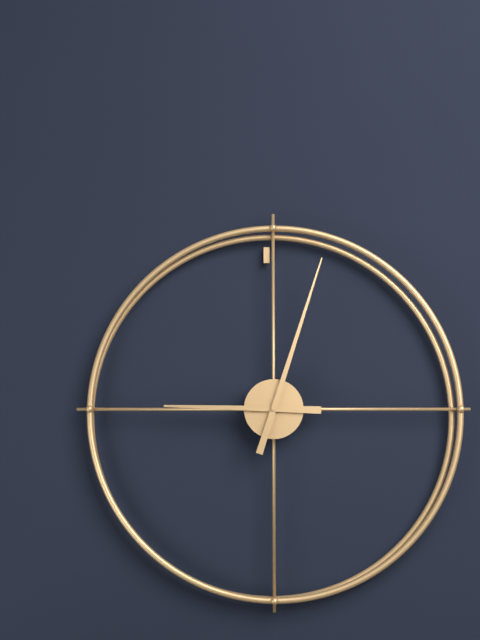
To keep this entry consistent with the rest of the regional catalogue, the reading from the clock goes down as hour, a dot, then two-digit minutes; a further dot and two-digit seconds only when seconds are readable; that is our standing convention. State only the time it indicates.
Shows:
9.03
